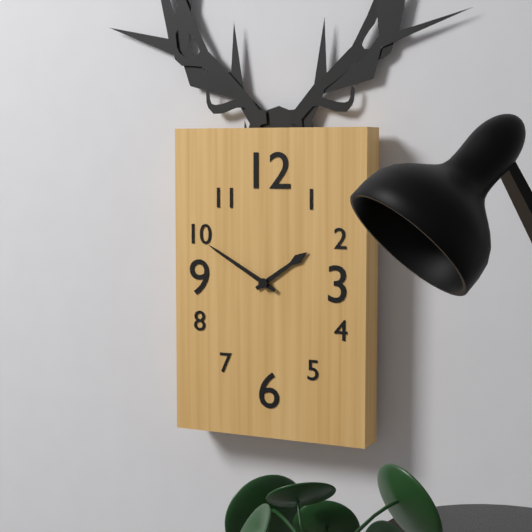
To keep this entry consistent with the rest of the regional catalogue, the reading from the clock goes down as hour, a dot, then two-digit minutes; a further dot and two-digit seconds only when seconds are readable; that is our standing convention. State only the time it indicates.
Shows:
1.50
